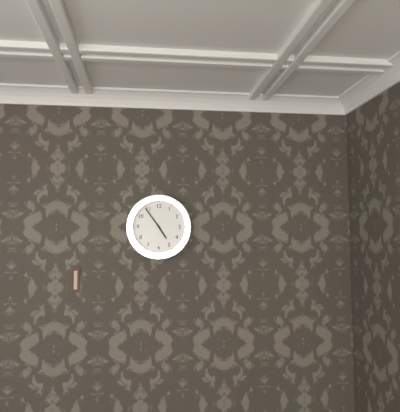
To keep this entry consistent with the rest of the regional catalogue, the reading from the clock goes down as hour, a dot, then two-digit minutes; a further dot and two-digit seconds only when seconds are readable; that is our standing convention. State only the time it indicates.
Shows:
4.54
